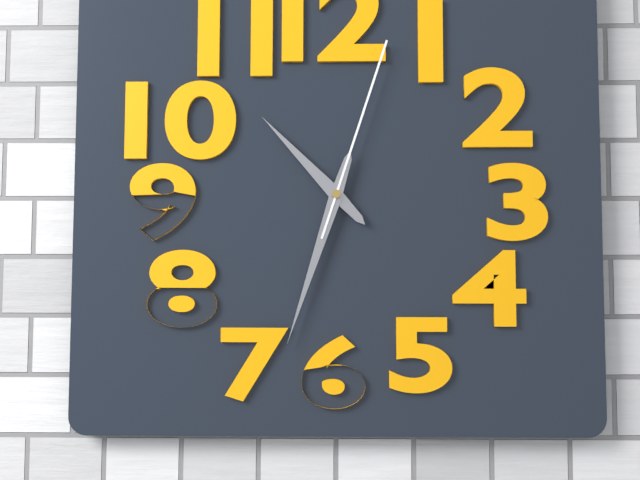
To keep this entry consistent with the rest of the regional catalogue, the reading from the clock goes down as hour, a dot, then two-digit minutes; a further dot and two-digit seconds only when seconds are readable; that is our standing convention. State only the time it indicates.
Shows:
10.33.03
